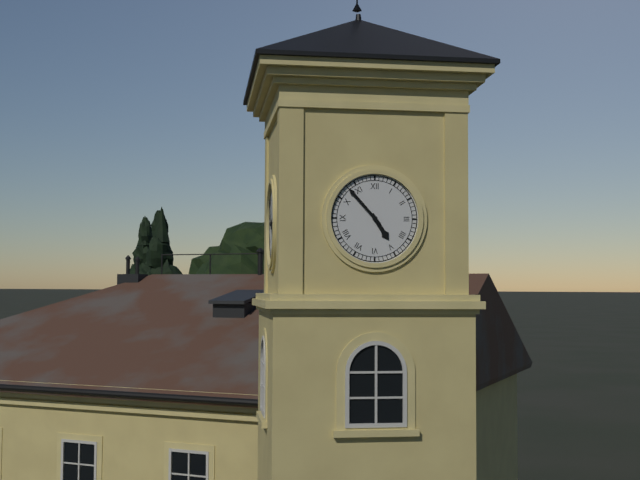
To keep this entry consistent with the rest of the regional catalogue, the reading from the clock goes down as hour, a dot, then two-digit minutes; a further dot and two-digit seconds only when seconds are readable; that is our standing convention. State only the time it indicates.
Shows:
4.53
